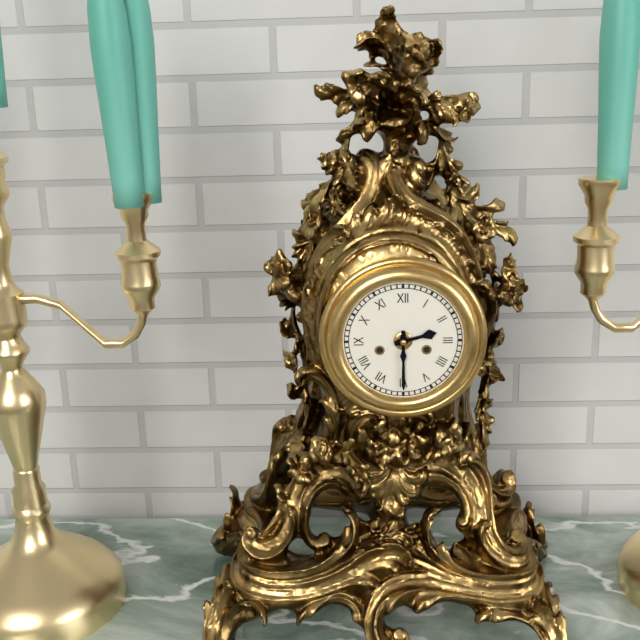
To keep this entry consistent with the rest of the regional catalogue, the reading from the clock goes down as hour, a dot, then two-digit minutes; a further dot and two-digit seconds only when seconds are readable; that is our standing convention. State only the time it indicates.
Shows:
2.30
